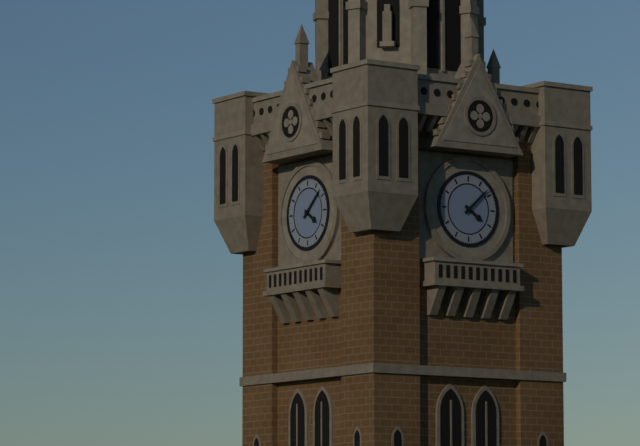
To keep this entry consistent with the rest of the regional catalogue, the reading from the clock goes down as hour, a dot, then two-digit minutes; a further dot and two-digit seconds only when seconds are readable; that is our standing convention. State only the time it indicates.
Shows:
4.08
